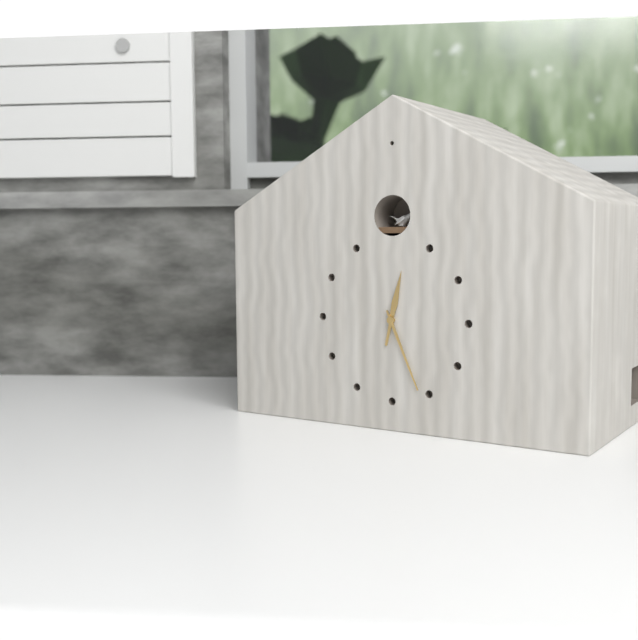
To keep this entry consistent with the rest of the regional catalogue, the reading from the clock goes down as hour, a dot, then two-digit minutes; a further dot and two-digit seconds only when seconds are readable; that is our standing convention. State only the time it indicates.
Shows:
12.26
